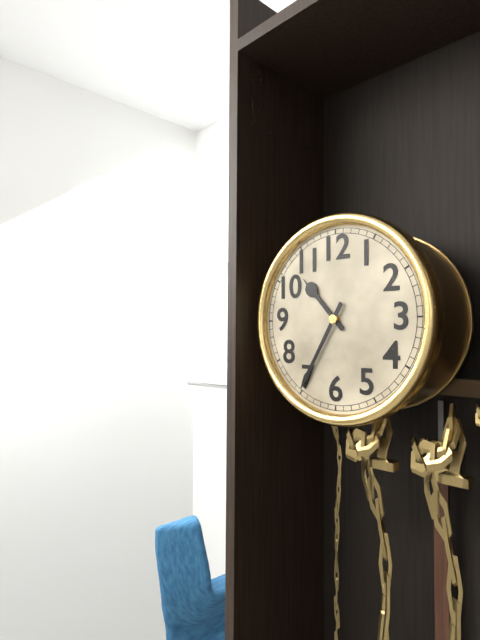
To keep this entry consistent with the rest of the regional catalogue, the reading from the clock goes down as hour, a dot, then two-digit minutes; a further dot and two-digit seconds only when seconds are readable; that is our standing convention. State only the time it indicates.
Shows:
10.35
